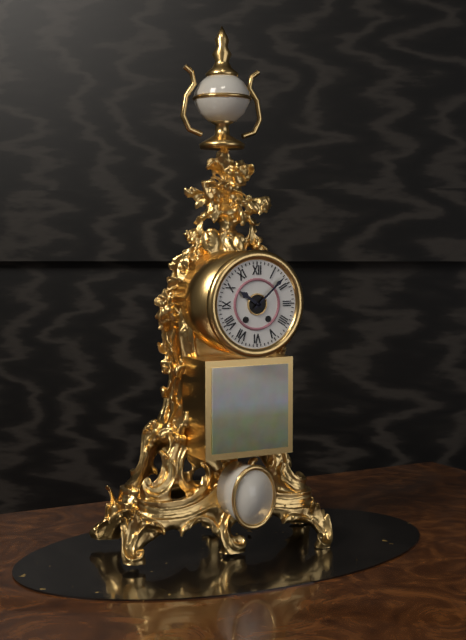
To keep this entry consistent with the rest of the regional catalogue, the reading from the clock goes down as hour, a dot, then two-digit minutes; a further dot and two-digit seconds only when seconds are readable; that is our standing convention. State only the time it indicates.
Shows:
10.08
